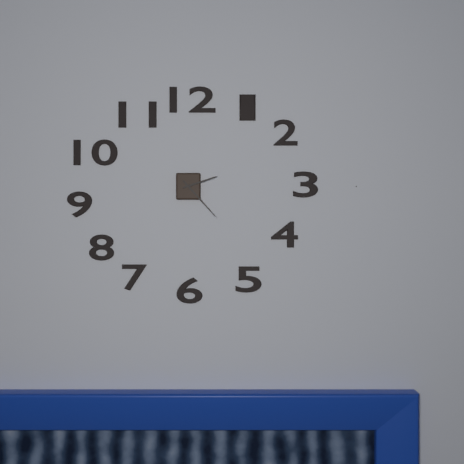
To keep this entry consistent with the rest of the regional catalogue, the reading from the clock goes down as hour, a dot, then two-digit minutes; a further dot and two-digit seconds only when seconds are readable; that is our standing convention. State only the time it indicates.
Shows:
2.23
